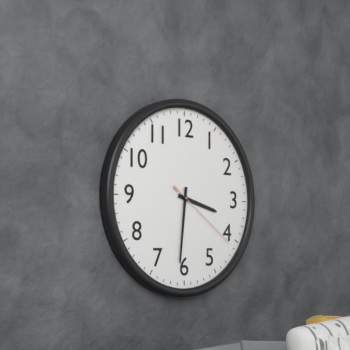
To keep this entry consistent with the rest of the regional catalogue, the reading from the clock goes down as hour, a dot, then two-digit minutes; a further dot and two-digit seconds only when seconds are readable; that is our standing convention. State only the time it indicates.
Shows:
3.31.21
